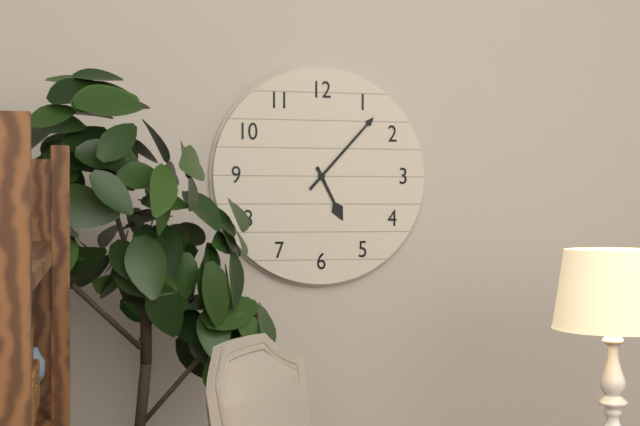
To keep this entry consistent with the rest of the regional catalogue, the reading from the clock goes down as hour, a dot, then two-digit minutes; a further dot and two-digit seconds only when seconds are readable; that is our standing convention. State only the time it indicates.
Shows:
5.07
